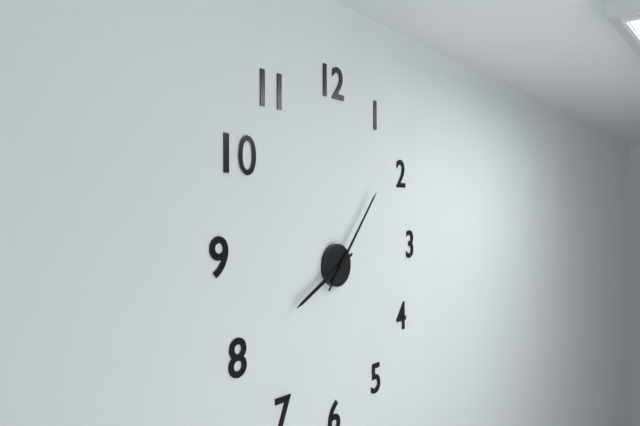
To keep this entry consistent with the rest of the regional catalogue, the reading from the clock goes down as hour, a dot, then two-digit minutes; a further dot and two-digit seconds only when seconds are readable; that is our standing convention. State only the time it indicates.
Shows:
8.07
